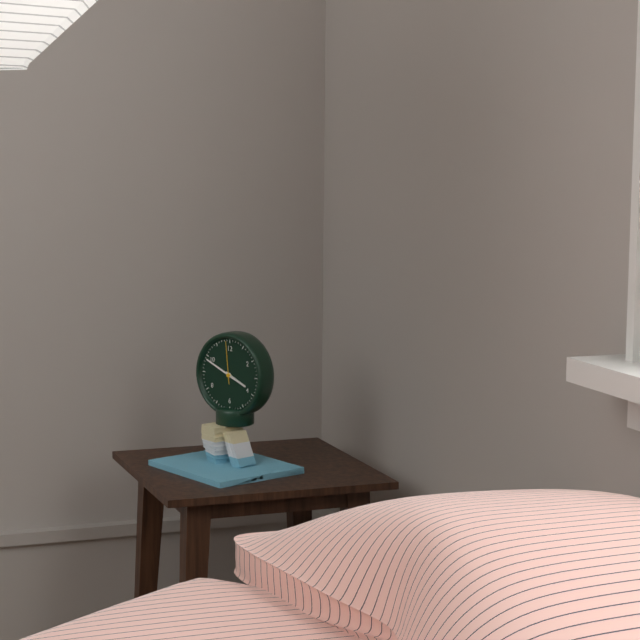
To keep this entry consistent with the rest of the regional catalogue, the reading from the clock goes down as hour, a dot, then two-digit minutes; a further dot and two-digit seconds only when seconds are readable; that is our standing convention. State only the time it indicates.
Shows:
3.49
